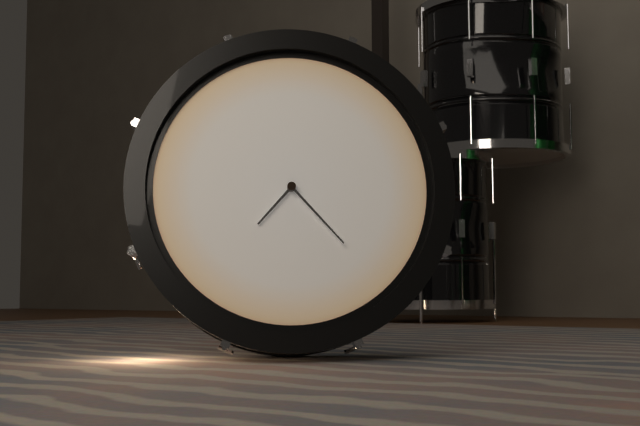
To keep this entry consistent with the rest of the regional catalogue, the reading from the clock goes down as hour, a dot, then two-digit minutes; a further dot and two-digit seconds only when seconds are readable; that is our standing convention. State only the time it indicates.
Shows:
7.23
